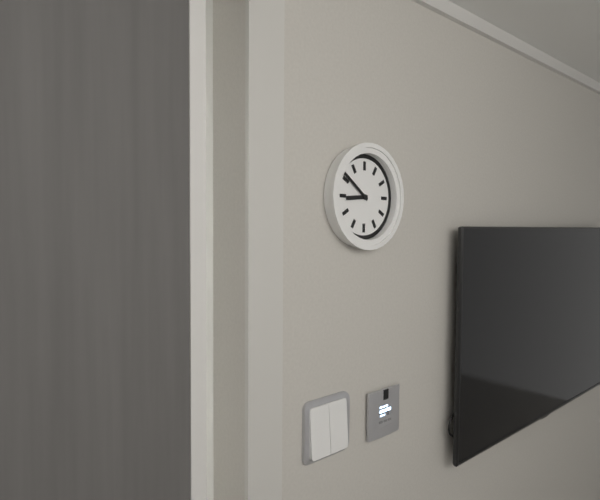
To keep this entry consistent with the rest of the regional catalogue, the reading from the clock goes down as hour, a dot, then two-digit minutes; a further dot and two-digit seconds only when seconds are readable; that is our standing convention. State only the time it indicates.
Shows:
8.51
